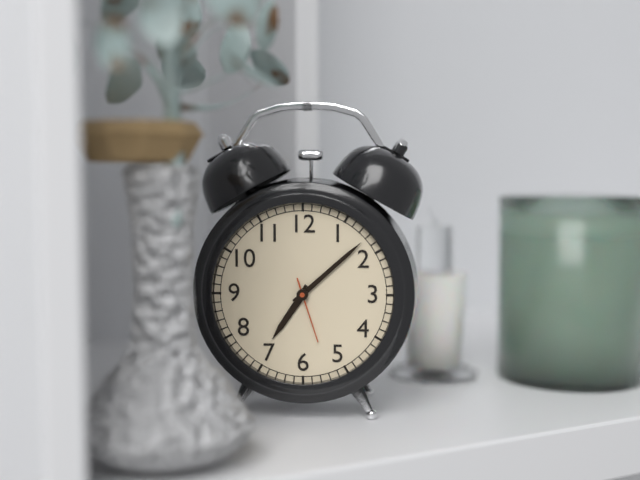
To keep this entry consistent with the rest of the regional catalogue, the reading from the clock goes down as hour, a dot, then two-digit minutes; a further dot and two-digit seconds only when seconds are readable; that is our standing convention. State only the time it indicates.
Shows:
7.08.27
